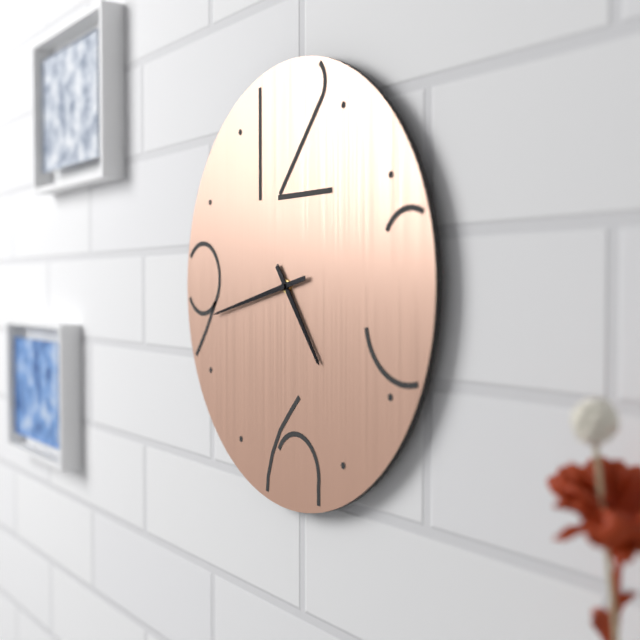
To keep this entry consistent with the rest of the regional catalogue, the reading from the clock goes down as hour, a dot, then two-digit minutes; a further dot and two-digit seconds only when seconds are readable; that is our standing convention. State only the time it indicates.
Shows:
4.43
